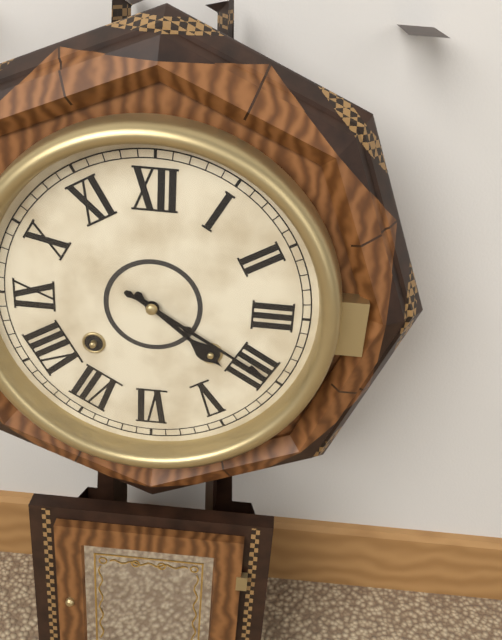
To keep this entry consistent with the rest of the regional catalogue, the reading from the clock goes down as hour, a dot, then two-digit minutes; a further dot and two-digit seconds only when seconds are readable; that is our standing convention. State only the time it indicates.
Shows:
4.20
